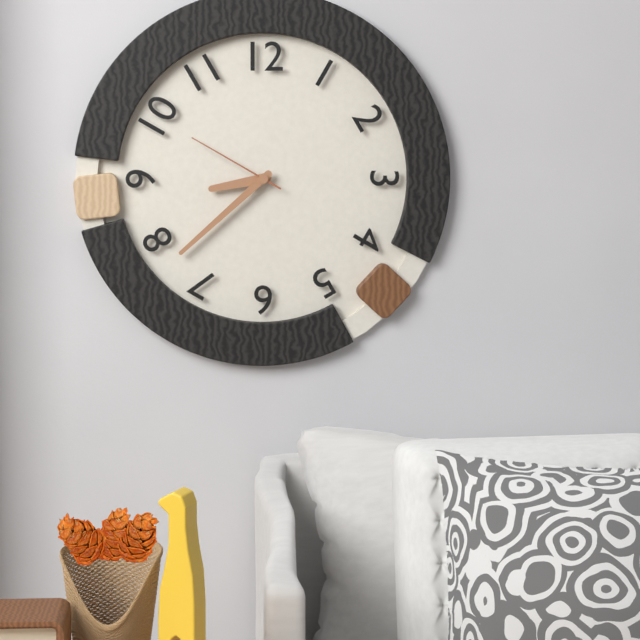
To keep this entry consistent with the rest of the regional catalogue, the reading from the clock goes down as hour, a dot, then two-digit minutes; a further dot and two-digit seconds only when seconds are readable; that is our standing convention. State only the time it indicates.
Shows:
8.38.50
